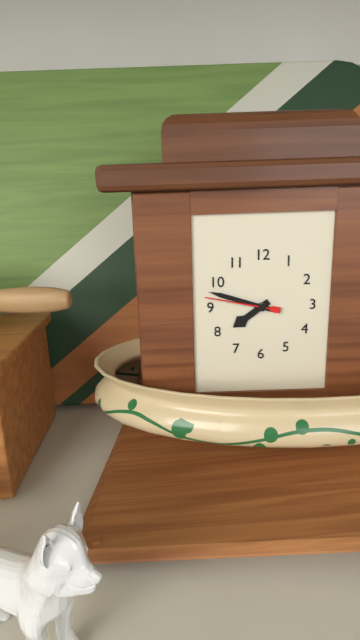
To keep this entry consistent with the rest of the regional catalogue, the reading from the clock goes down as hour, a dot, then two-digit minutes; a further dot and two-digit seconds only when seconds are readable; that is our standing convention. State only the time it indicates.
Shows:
7.48.47
